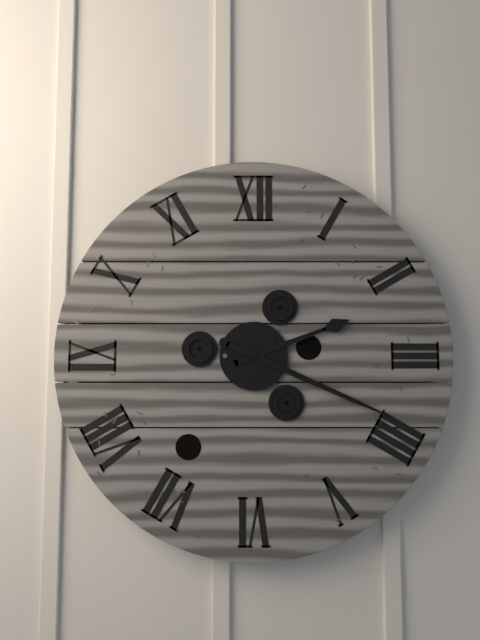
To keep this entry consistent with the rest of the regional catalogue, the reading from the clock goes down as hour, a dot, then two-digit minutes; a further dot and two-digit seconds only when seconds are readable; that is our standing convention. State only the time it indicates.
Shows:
2.19
